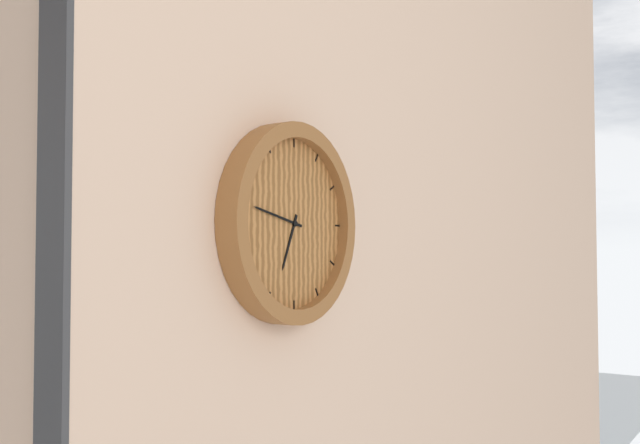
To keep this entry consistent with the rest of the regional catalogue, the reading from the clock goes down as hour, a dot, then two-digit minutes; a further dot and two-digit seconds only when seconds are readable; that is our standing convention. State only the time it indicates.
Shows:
6.47
